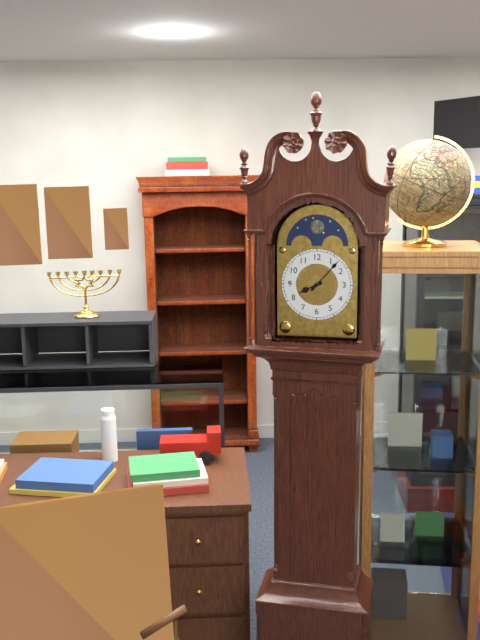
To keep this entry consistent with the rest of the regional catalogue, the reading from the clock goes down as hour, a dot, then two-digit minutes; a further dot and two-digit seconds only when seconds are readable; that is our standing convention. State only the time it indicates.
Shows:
8.07
